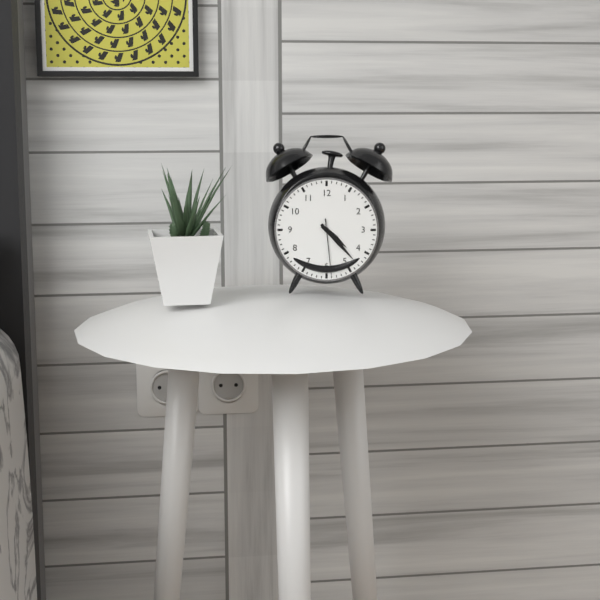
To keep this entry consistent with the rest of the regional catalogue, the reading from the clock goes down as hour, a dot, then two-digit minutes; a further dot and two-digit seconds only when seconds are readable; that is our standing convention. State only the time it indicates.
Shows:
4.23.29
